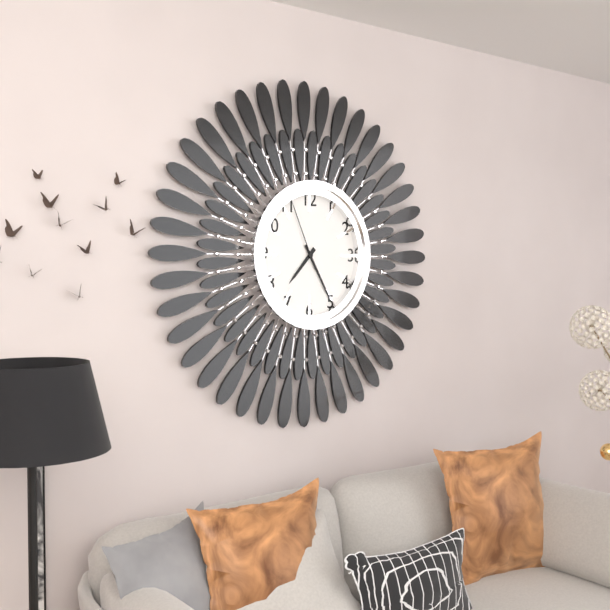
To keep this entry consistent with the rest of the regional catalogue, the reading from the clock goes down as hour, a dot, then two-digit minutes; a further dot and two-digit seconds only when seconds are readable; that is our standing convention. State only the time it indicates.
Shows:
7.25.56
